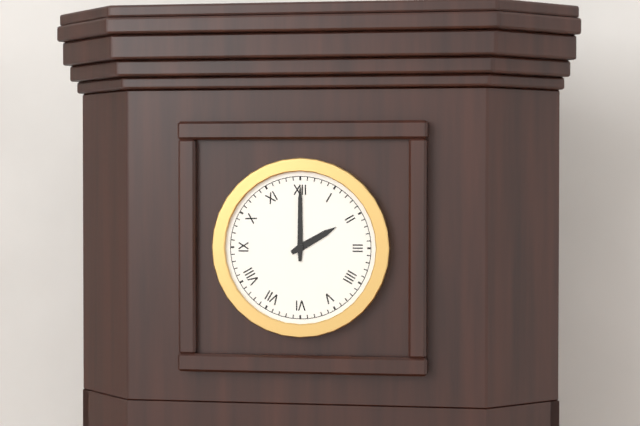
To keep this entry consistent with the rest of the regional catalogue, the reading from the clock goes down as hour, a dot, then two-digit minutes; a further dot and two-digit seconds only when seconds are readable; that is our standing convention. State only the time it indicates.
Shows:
2.00
